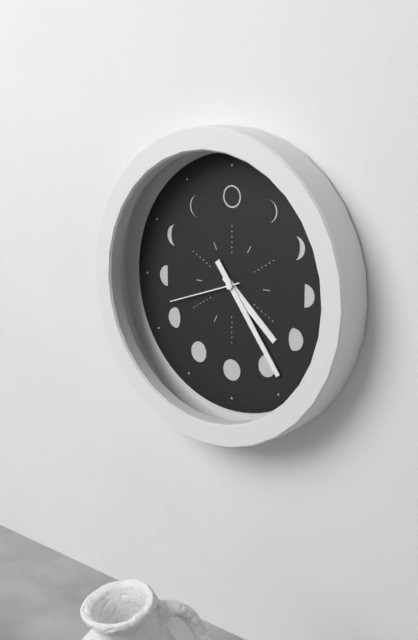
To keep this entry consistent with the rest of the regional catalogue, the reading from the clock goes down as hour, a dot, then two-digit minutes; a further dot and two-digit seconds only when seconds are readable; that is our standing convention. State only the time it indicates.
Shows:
4.24.42
